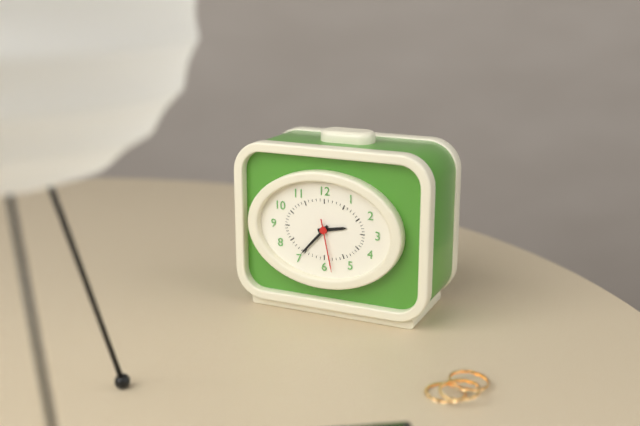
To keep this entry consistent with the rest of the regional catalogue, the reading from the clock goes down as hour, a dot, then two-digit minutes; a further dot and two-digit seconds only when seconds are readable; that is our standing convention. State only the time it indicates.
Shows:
2.37.28
